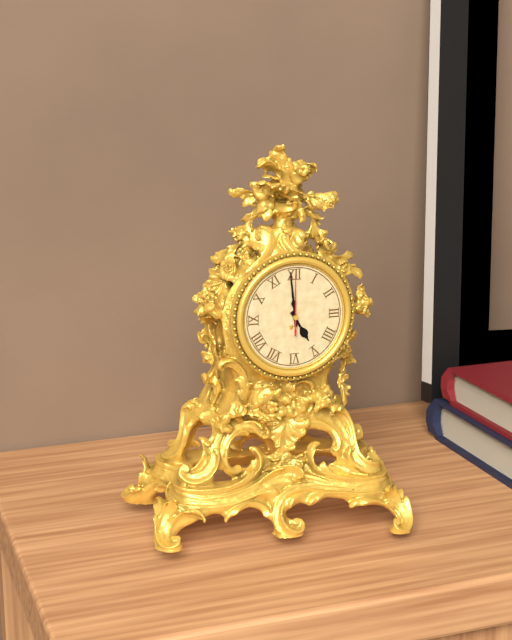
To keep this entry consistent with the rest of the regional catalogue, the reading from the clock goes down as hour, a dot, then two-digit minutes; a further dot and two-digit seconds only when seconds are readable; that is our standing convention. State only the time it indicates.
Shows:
4.59.00
